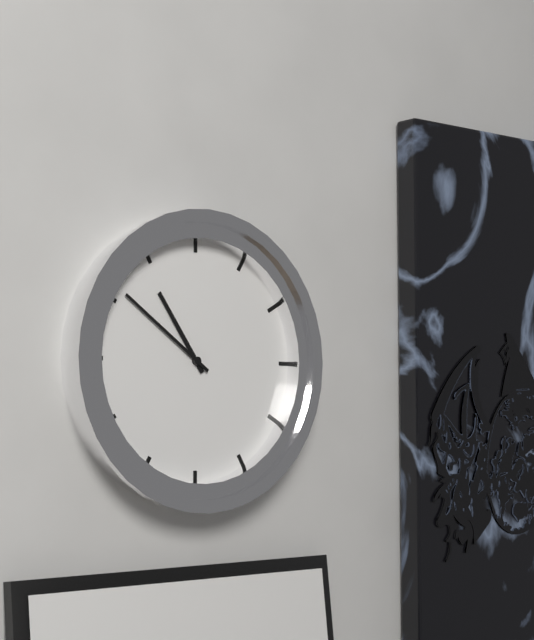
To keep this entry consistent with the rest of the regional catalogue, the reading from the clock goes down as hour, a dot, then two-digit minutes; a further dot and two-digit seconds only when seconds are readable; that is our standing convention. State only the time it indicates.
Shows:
10.51
